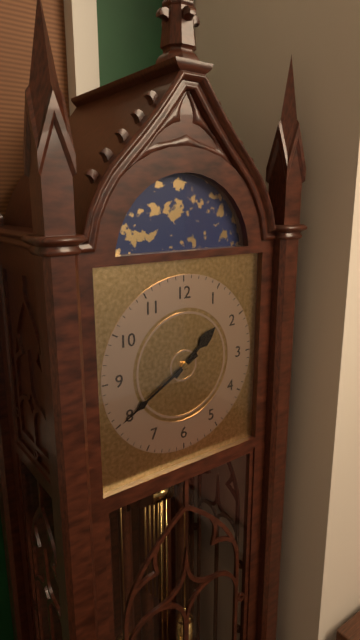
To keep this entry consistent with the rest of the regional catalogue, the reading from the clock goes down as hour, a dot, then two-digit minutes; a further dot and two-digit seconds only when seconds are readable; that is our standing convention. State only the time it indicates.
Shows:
1.40
